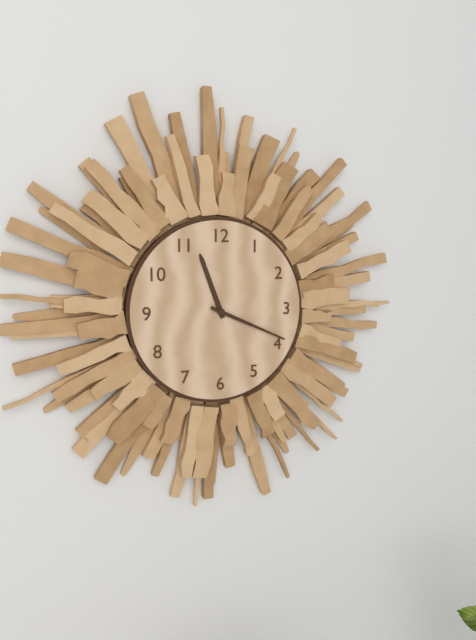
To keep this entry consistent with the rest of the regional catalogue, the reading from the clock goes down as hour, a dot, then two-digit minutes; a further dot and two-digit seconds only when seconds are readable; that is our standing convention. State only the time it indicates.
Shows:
11.19
